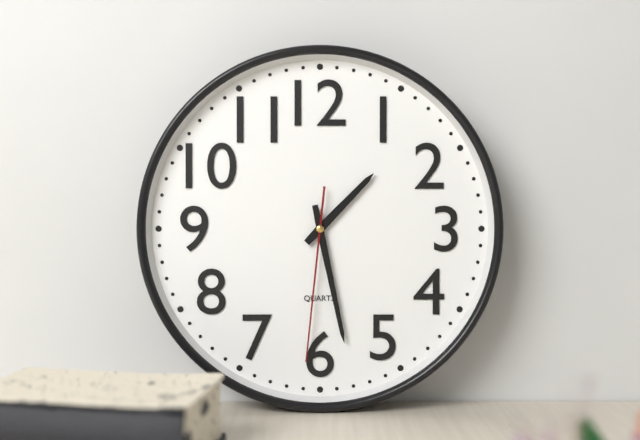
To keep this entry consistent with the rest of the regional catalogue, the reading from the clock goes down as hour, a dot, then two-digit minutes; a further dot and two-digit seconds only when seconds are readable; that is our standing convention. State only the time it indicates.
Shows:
1.28.31
